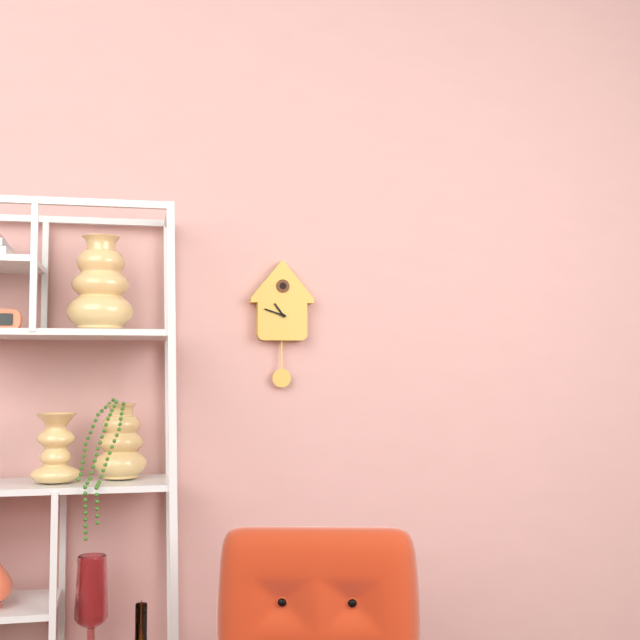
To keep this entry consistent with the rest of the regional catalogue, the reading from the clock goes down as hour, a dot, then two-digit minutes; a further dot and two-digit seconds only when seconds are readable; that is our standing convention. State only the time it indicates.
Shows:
10.48
